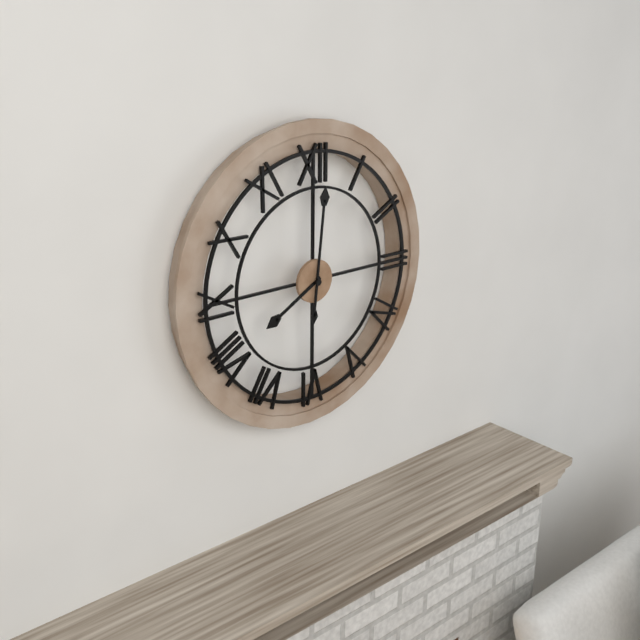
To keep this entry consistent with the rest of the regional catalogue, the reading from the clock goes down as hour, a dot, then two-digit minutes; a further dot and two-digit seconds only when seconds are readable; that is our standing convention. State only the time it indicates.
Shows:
8.01
